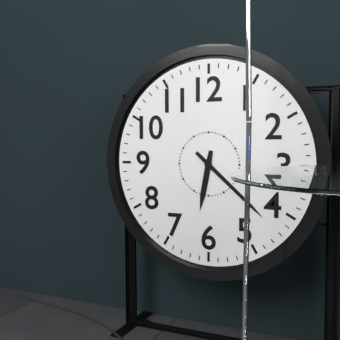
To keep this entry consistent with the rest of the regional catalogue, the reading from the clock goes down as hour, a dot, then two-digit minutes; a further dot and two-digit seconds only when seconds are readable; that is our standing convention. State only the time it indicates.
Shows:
6.22
